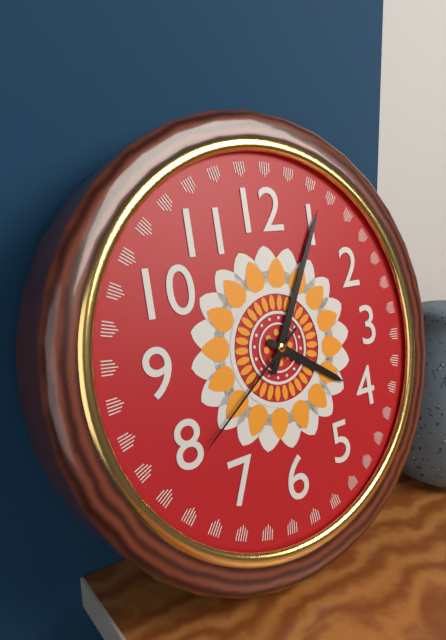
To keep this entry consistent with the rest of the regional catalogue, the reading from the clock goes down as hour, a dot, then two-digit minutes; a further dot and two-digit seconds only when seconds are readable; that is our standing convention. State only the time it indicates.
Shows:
4.05.39
